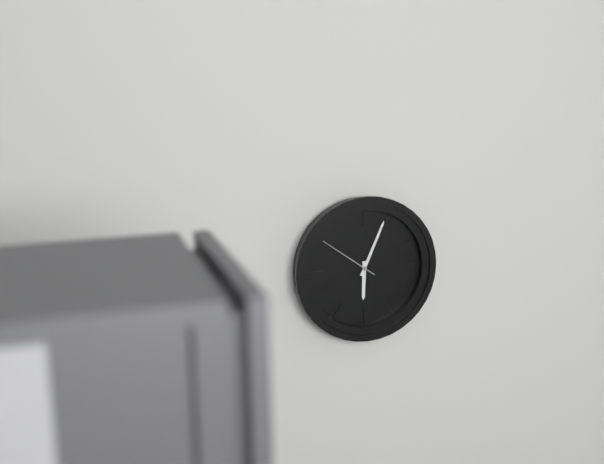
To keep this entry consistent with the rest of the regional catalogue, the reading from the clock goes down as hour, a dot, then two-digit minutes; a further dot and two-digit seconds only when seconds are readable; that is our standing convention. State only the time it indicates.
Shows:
6.04.51
